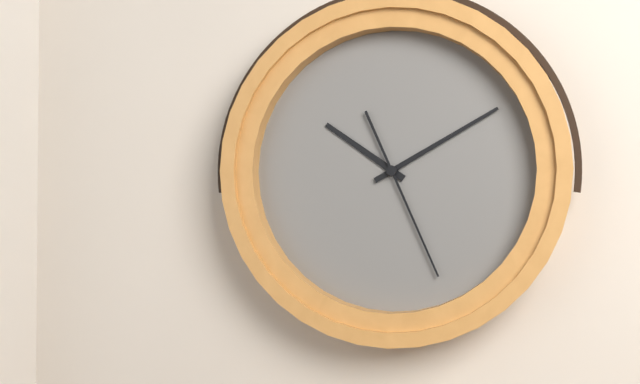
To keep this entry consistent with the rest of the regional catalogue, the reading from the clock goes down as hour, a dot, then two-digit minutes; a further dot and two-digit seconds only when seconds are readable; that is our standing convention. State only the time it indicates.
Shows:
10.10.26
